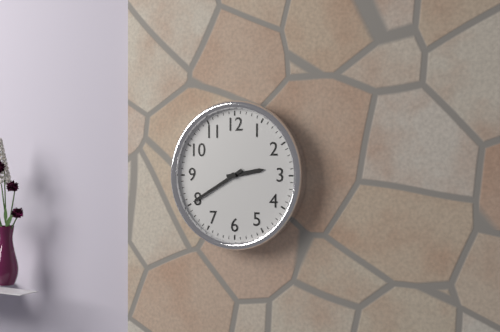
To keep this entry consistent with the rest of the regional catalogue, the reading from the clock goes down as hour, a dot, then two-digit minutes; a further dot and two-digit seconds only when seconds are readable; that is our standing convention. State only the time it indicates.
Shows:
2.40
